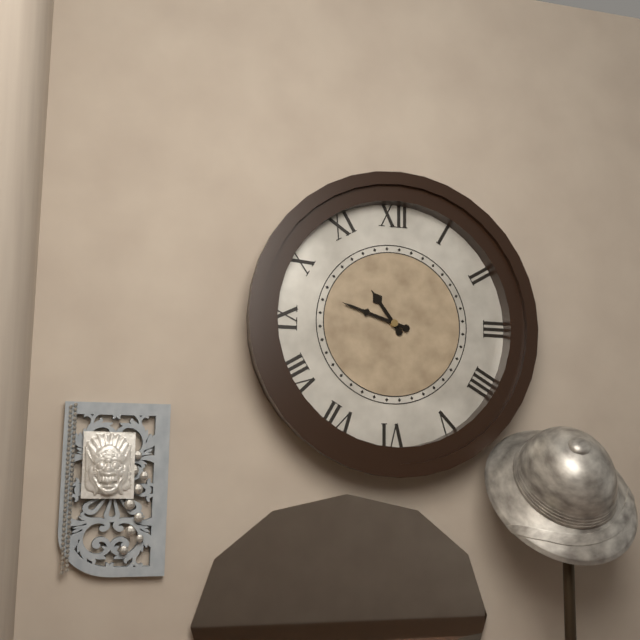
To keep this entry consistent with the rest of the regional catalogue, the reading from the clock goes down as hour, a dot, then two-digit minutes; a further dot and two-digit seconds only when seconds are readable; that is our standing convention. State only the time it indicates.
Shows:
10.48
